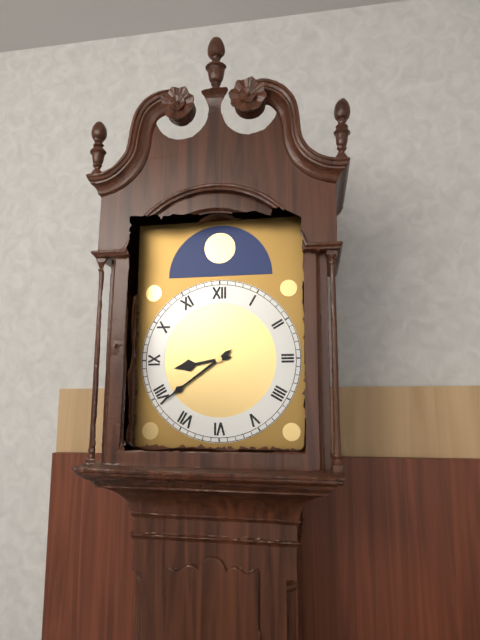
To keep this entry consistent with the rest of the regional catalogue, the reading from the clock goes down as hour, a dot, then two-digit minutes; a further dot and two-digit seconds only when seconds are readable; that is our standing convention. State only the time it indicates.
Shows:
8.39
